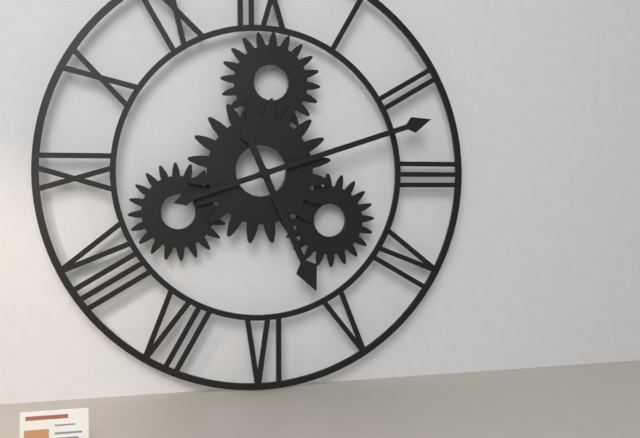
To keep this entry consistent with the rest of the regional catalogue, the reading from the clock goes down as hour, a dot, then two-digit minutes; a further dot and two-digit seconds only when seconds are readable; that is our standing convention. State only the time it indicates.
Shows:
5.12
